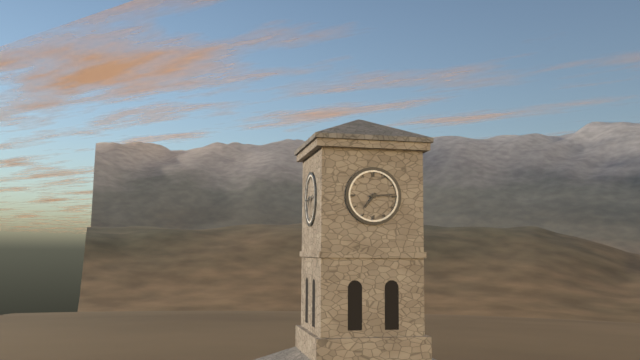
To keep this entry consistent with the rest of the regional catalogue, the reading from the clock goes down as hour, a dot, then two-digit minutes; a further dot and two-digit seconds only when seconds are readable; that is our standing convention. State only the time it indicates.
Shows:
7.14
